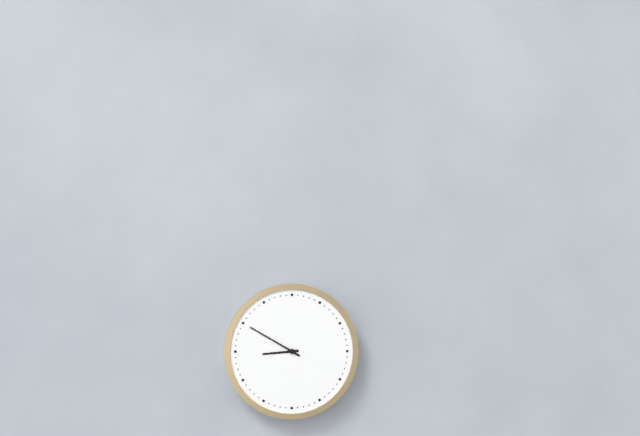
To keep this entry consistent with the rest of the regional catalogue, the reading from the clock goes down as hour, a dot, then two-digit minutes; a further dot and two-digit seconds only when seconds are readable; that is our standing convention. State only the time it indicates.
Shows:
8.50
